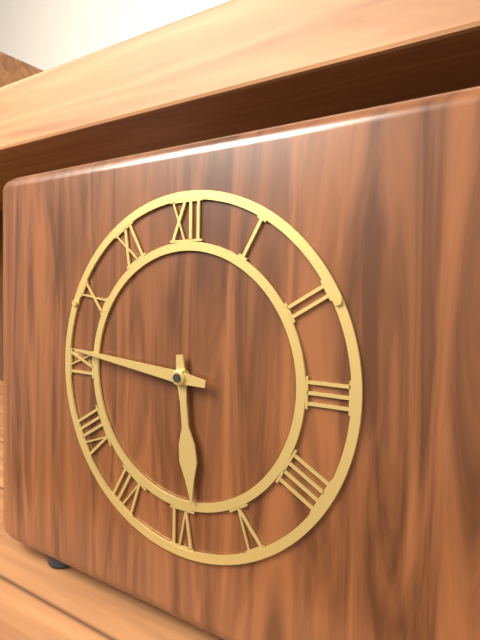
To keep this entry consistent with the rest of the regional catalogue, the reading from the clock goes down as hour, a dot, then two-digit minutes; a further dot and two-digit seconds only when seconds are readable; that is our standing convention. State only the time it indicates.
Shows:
5.46
